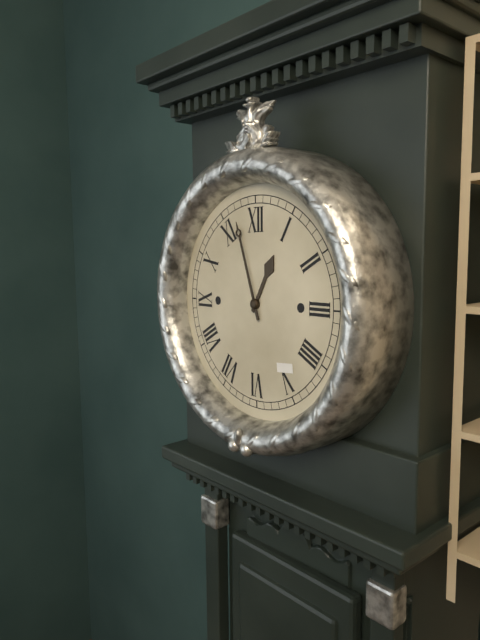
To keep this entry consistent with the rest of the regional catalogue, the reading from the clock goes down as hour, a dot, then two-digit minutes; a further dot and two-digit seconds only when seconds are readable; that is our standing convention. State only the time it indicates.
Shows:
12.57
